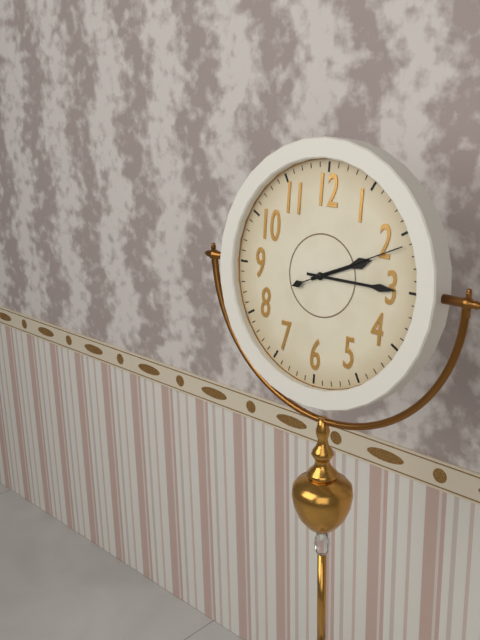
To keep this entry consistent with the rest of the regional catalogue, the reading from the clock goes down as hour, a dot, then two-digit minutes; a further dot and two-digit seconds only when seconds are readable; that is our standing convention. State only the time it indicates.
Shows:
2.15.11
